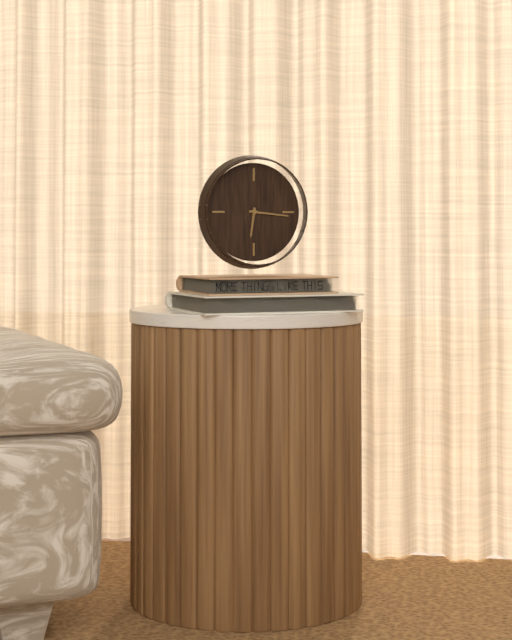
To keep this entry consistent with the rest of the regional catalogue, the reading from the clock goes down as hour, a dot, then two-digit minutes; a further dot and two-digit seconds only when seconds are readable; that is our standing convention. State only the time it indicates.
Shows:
6.16
